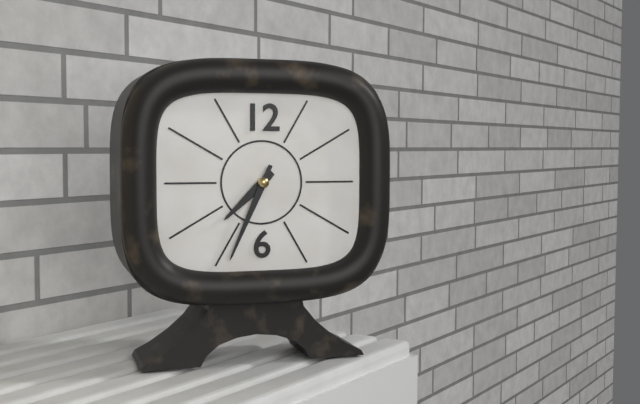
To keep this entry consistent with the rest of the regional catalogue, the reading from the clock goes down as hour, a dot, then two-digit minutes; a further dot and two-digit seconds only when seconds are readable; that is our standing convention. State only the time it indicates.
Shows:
7.34
